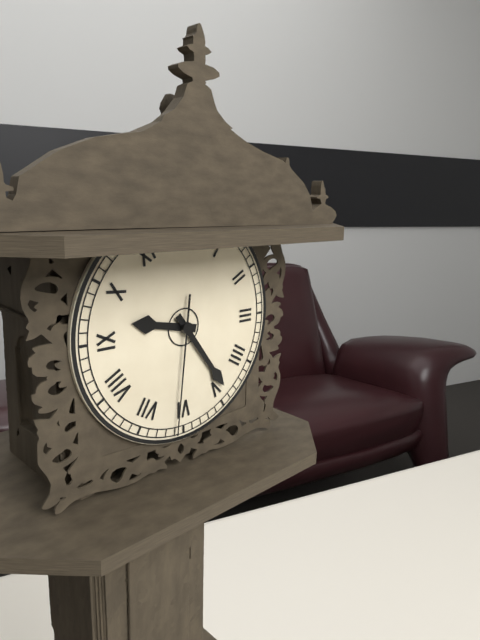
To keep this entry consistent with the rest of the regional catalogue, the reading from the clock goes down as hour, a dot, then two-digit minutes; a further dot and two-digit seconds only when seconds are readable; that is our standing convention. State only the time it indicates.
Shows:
9.24.31
